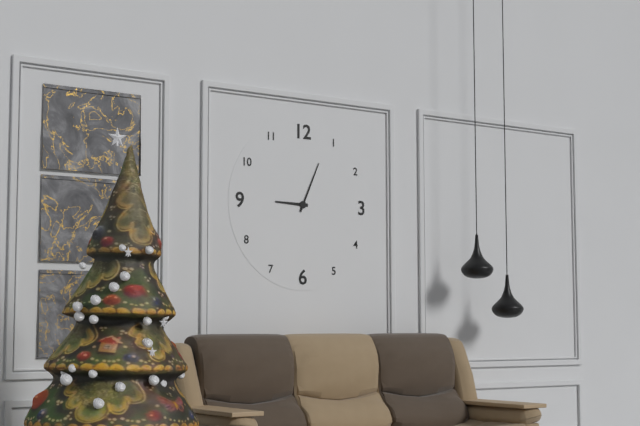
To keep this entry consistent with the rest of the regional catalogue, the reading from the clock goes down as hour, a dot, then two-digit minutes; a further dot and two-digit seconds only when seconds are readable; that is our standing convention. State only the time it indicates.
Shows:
9.04
